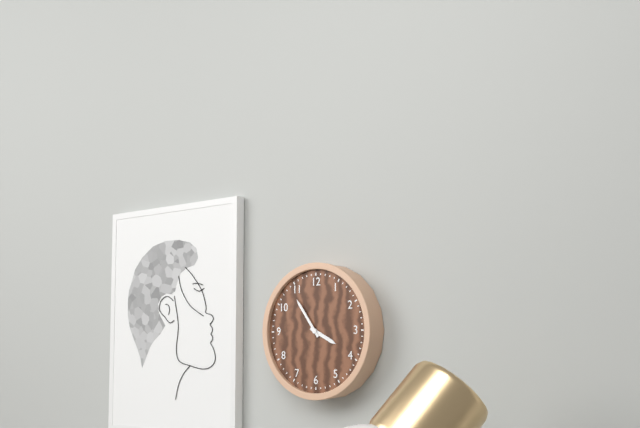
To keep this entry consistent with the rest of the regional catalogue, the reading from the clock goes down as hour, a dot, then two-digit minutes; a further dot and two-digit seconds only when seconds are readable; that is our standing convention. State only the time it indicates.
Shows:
3.54
